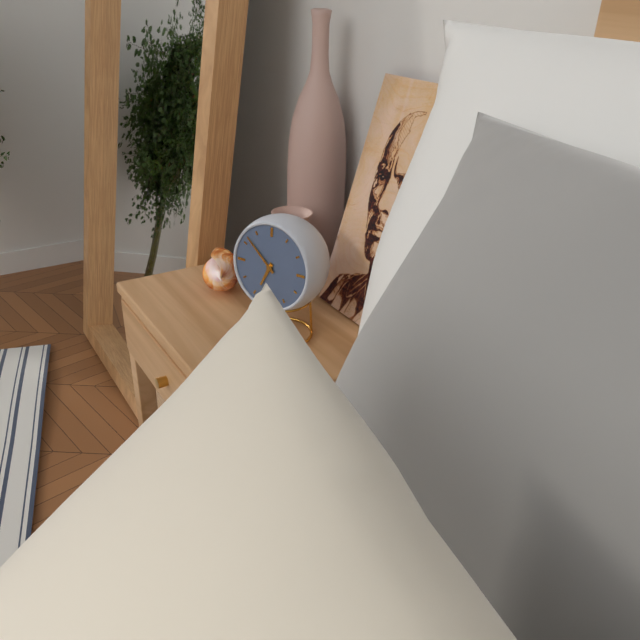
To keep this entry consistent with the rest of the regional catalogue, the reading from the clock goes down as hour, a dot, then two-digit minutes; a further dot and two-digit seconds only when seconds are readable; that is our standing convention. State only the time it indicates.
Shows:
6.52
